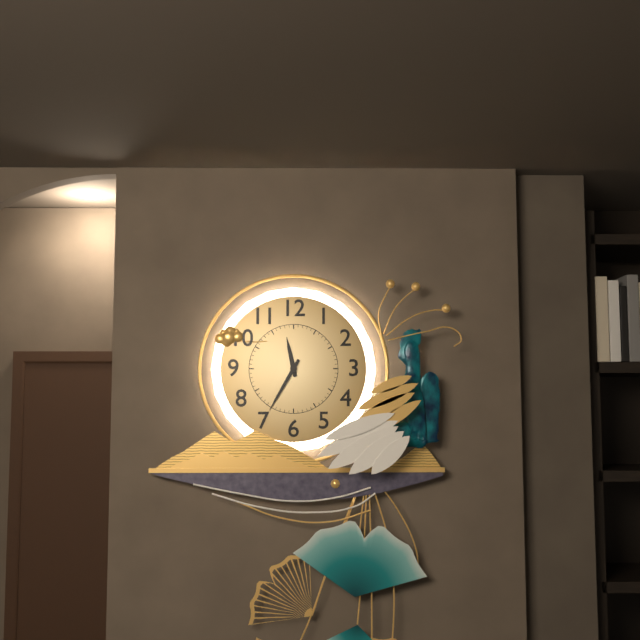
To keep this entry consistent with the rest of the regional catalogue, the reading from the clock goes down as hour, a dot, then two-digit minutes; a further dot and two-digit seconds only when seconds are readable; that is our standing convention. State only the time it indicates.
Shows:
11.35
